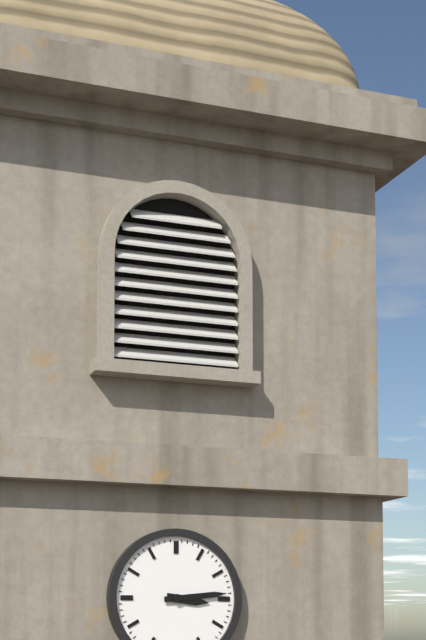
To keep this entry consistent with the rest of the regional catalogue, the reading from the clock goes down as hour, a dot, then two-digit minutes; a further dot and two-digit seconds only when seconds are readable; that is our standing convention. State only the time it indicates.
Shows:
3.14
